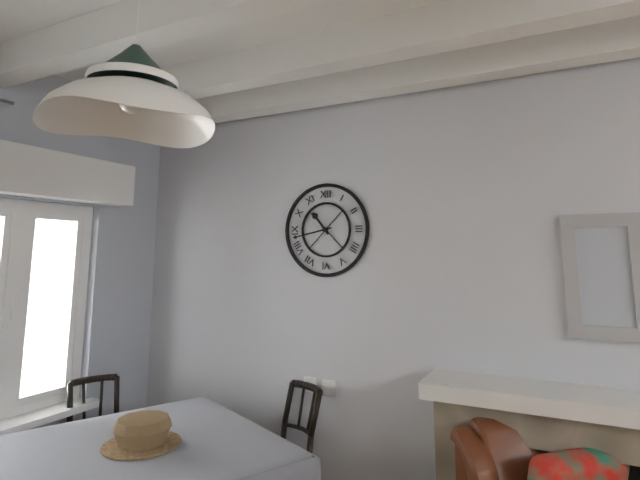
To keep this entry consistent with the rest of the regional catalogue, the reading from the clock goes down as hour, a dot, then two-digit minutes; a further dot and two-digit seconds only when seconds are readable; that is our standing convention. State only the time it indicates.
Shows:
10.43
